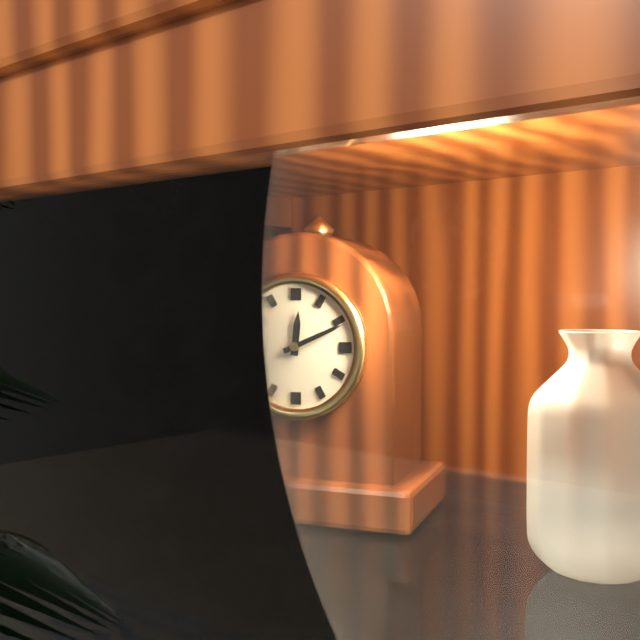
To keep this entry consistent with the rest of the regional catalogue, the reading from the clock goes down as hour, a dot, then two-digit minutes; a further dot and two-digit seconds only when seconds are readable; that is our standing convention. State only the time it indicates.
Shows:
12.11
